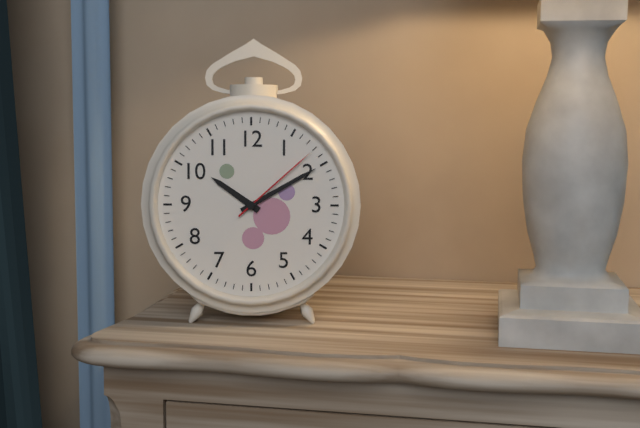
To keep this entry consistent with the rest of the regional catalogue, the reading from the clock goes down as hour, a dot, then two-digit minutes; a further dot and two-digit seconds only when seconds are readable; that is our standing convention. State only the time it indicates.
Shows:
10.10.08
